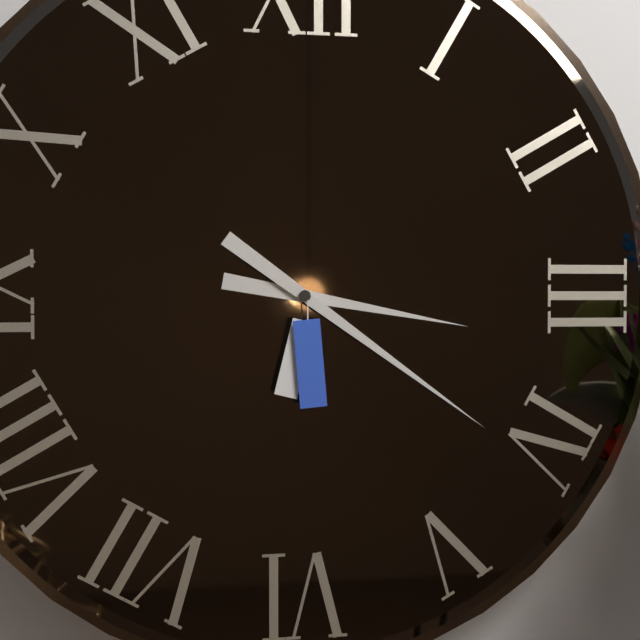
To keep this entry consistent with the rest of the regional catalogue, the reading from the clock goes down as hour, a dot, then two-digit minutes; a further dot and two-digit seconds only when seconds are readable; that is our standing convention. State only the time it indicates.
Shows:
3.21
